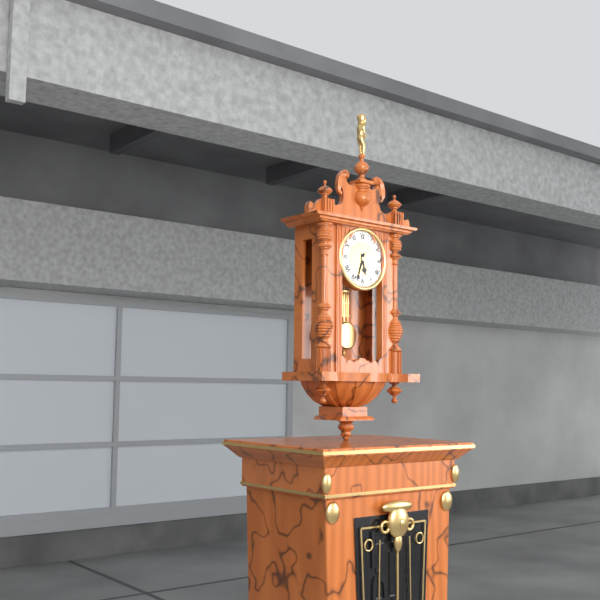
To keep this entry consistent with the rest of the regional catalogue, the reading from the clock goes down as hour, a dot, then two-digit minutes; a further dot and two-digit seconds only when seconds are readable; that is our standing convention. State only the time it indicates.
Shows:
5.33
